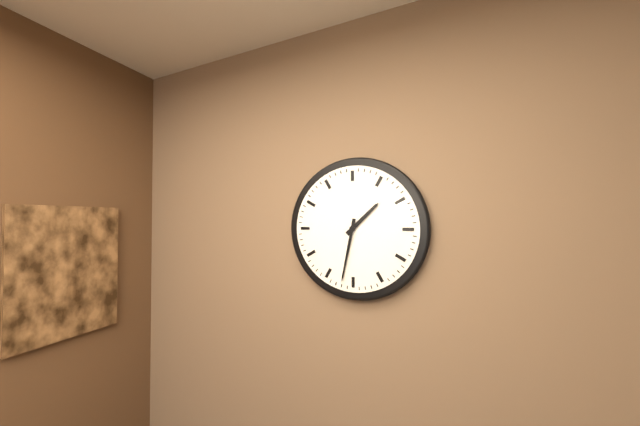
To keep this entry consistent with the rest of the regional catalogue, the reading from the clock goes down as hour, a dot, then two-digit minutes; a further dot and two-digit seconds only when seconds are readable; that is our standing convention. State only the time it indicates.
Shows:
1.32
